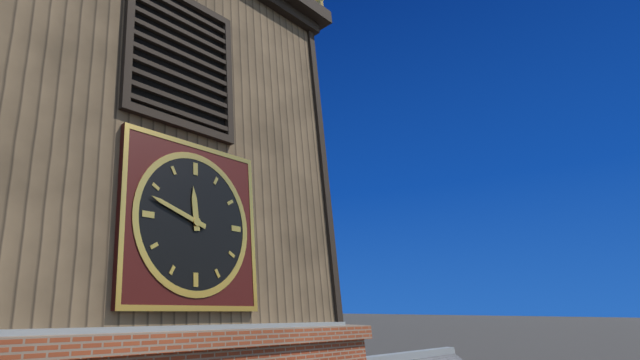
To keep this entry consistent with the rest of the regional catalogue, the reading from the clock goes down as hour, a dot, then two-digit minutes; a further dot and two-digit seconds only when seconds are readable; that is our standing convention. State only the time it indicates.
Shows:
11.48
